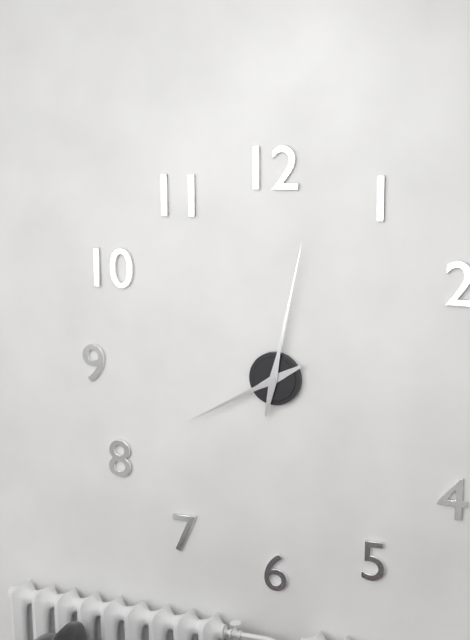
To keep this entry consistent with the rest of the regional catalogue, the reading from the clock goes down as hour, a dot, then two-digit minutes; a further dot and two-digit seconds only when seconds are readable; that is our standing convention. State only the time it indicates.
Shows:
8.02
